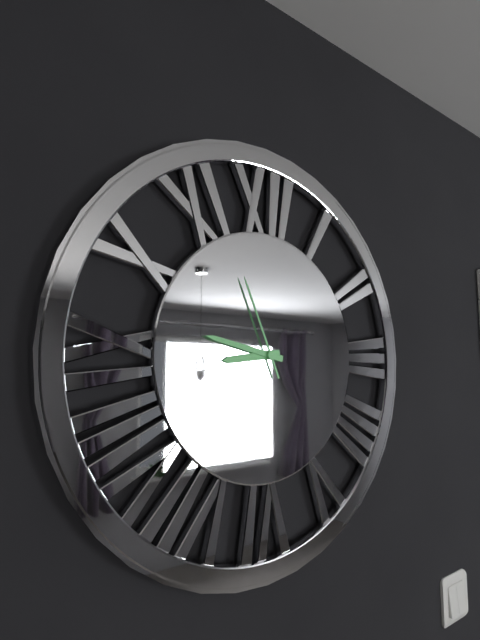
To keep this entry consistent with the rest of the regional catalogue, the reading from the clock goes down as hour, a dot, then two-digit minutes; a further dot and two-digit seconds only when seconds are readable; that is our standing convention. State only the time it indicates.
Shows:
8.47.56
